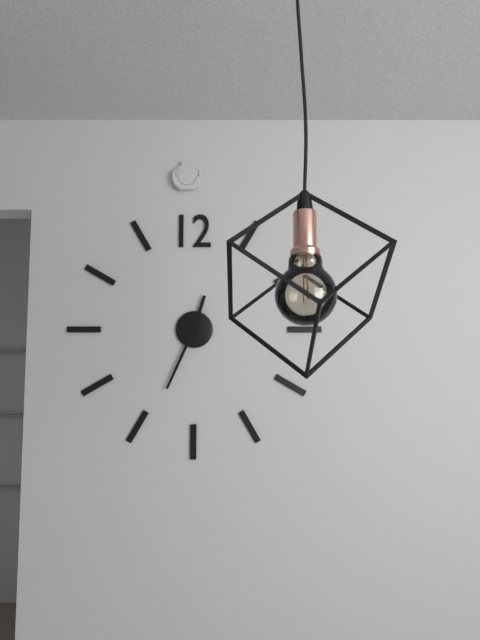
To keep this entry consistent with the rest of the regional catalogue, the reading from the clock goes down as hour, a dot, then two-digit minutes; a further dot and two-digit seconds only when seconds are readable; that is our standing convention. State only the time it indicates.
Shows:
12.34
